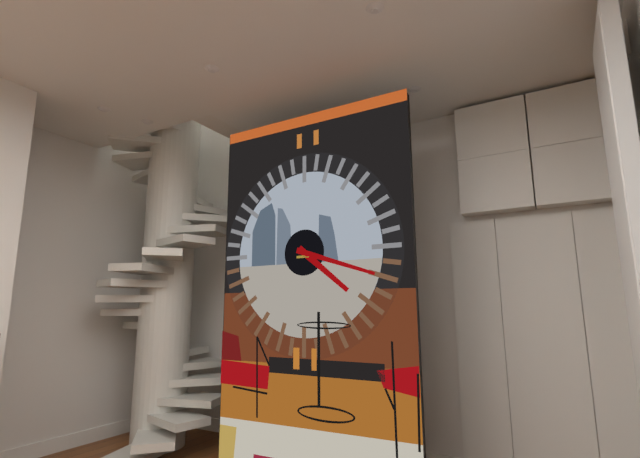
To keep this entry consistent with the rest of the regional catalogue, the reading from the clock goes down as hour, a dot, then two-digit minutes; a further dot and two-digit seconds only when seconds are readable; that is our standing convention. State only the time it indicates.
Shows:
4.18
